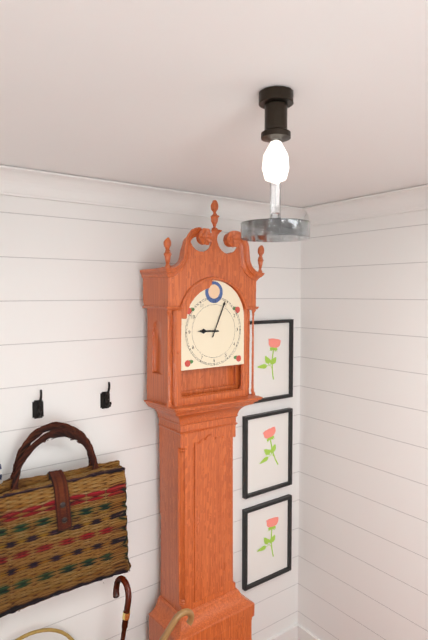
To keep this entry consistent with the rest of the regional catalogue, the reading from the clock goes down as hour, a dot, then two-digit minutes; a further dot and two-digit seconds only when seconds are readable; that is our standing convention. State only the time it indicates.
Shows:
9.04
